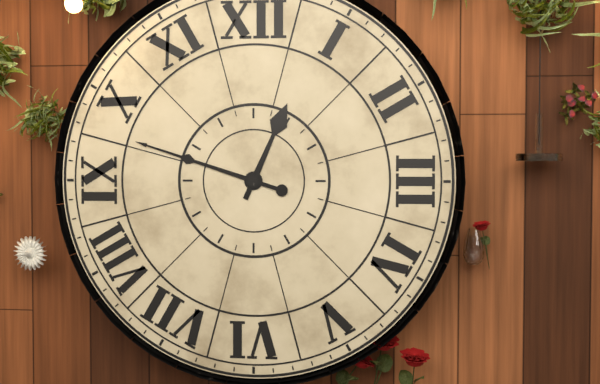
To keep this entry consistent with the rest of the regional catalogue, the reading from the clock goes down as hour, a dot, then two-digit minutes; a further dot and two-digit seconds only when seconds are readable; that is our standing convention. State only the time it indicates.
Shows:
12.48
